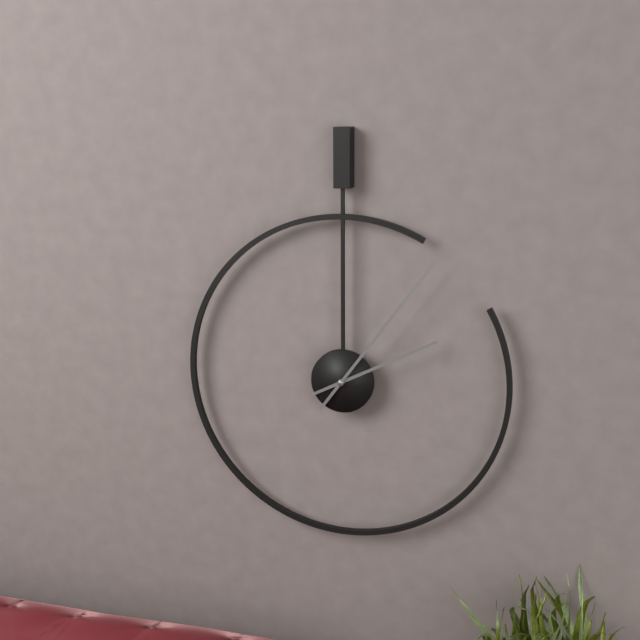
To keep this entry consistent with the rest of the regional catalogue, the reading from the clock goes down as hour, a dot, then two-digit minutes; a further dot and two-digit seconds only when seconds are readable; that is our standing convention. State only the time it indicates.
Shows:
2.06
